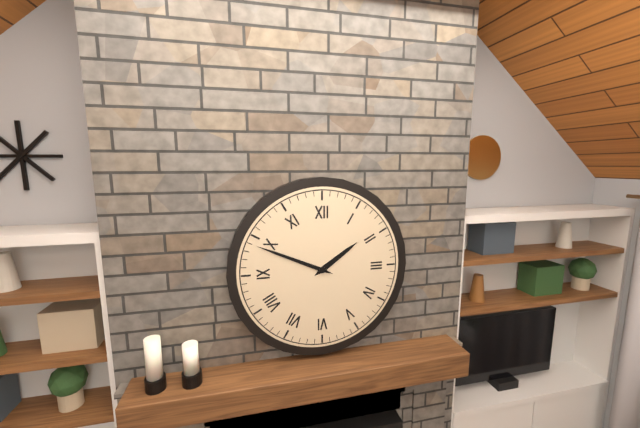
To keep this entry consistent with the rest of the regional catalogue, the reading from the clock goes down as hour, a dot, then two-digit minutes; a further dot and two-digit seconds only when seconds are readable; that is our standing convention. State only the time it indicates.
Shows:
1.49
